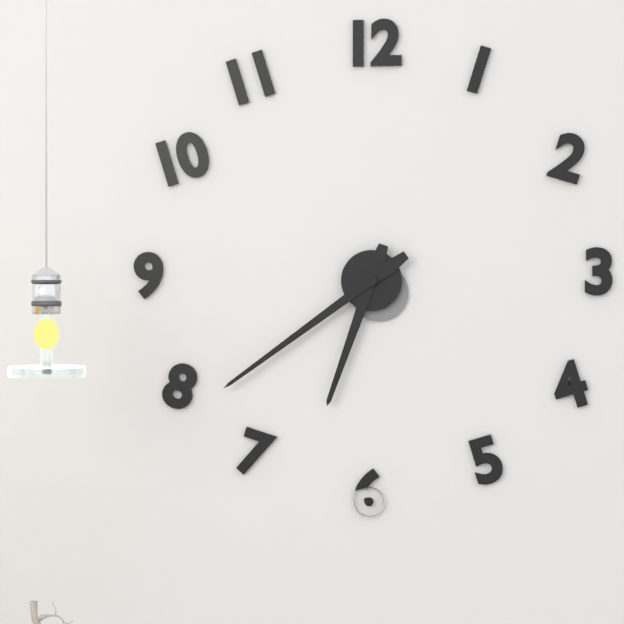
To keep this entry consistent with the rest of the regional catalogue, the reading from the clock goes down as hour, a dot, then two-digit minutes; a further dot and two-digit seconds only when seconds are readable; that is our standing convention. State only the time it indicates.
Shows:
6.39
